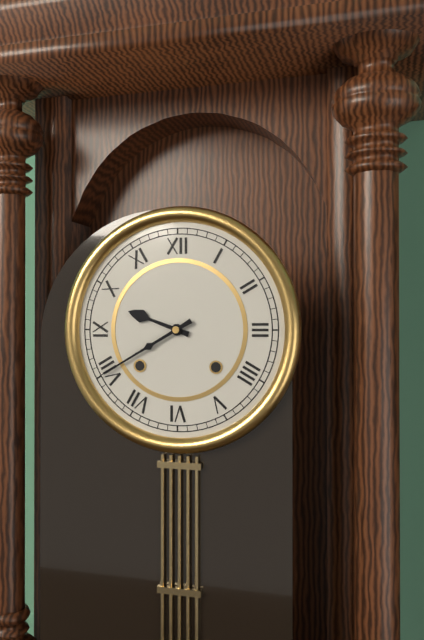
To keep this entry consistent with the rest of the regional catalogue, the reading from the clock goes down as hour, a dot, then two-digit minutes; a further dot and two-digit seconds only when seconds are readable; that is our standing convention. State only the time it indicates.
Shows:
9.40
